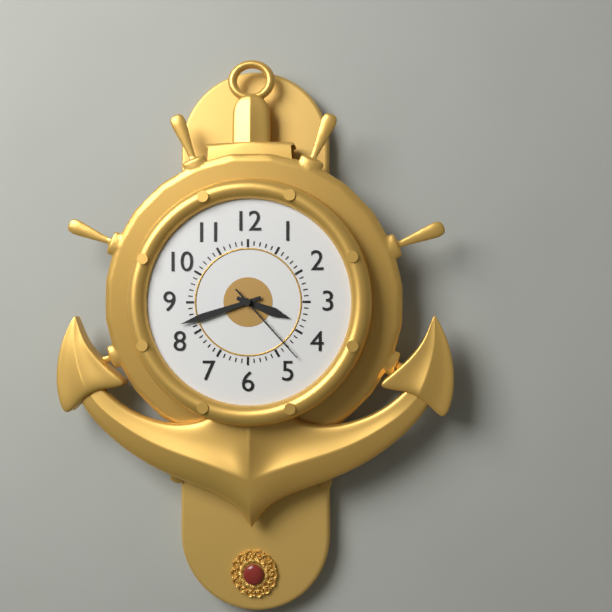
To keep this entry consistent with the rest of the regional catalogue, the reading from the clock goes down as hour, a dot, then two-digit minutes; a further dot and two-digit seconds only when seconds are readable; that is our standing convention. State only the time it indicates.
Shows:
3.42.23
